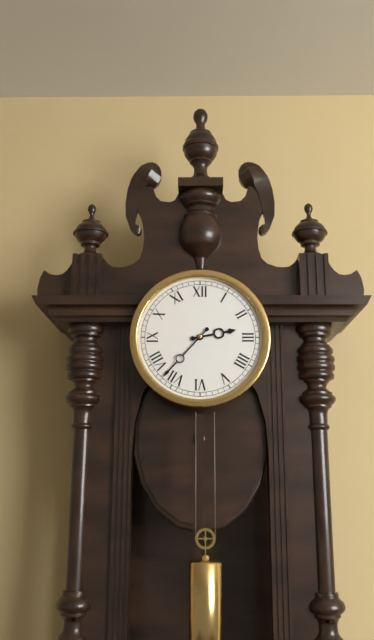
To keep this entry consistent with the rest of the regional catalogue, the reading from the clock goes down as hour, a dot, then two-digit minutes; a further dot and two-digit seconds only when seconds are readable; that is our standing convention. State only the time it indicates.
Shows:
2.37
